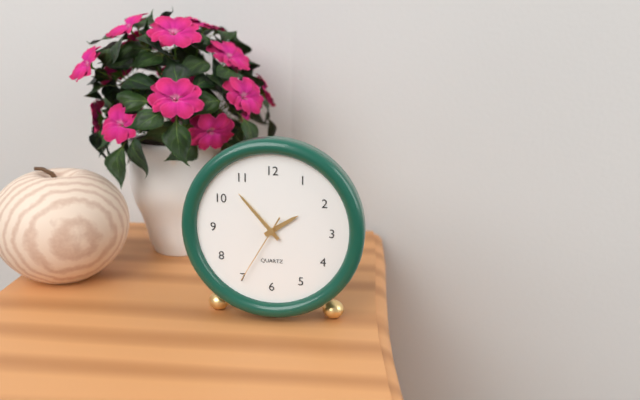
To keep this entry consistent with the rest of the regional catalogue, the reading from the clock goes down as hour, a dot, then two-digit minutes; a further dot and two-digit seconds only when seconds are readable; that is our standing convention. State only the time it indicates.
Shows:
1.53.35
